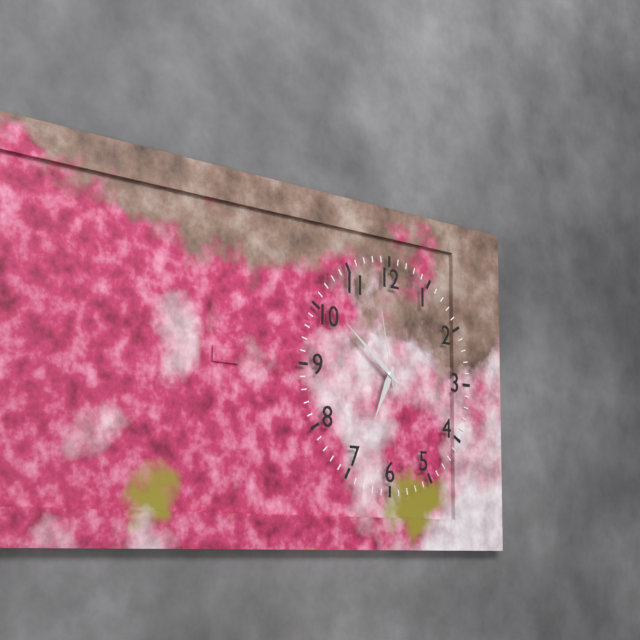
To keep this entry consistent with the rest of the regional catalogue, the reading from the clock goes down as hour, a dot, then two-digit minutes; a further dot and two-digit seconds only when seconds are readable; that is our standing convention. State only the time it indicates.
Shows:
6.51.58
